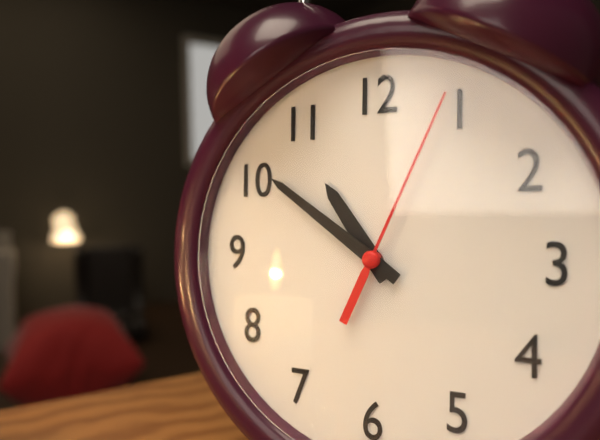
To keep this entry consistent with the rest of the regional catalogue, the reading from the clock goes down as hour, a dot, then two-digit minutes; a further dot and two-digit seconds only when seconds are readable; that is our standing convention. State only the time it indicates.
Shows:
10.51.04
